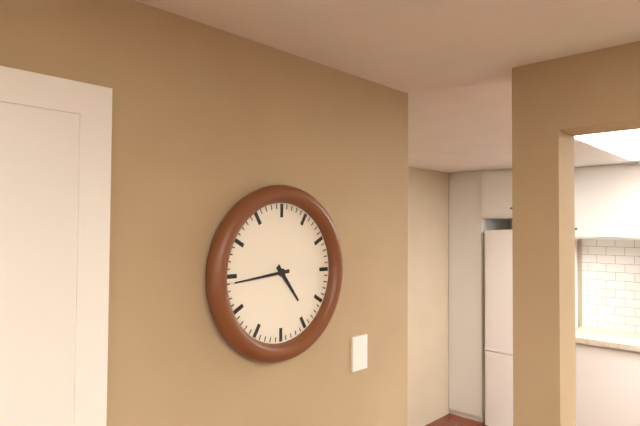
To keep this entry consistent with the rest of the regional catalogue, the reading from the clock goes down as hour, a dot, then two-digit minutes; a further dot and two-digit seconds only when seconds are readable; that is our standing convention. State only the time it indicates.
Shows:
4.44
